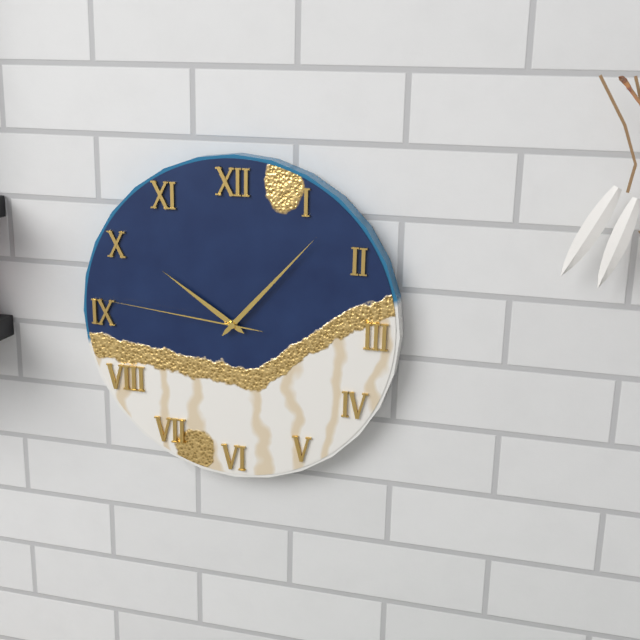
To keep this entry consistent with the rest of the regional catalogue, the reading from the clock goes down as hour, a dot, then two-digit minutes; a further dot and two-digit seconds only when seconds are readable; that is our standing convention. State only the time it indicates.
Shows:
10.07.46
